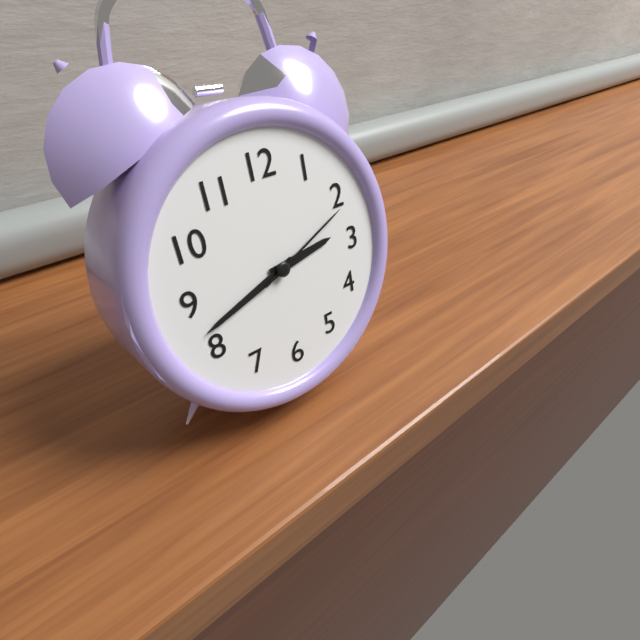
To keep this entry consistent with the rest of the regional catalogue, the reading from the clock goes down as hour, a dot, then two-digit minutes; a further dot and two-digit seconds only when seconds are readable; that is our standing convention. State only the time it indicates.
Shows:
2.42.11
